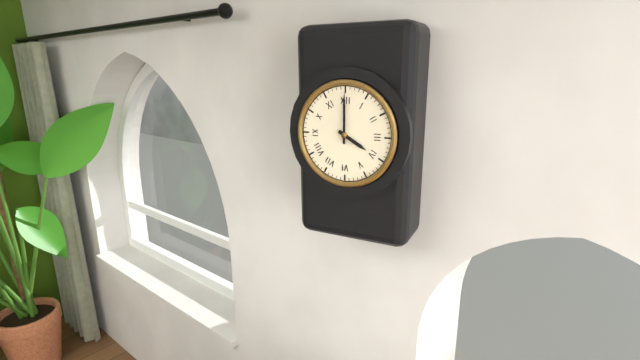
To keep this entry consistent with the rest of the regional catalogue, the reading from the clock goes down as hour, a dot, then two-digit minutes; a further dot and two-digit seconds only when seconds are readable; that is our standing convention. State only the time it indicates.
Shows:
4.00
